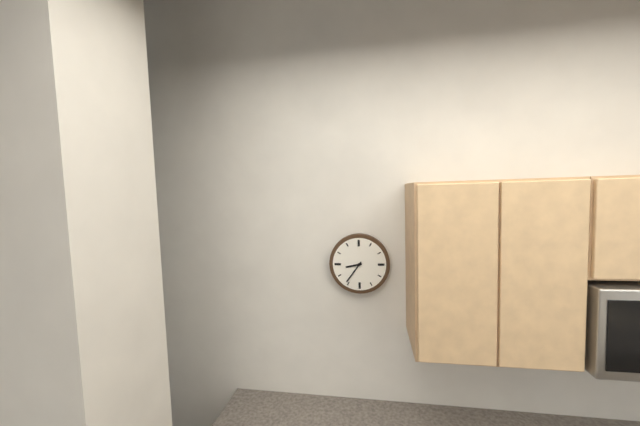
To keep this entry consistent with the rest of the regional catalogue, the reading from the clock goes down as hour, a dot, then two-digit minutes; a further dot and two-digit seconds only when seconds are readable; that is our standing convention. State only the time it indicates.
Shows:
8.36
